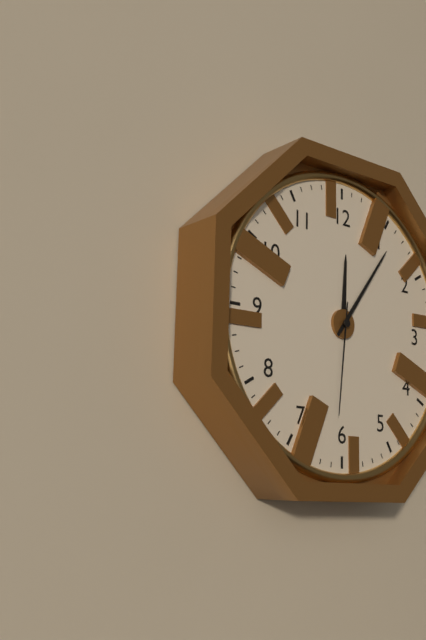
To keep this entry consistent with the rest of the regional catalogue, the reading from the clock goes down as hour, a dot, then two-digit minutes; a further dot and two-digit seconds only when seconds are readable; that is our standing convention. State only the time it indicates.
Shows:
12.06.31
